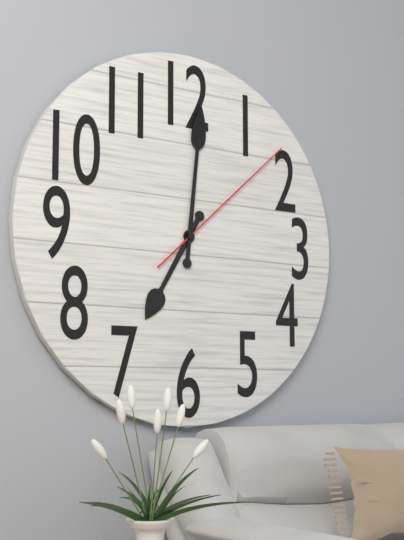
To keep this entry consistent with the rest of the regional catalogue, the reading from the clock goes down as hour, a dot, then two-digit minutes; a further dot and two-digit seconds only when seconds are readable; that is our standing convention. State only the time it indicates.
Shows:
7.01.08
